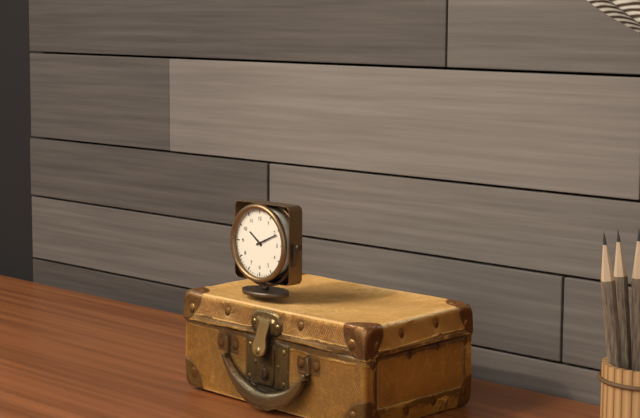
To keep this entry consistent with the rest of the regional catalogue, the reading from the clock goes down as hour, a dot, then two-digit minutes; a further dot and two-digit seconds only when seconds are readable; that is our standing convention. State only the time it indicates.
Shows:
10.11
